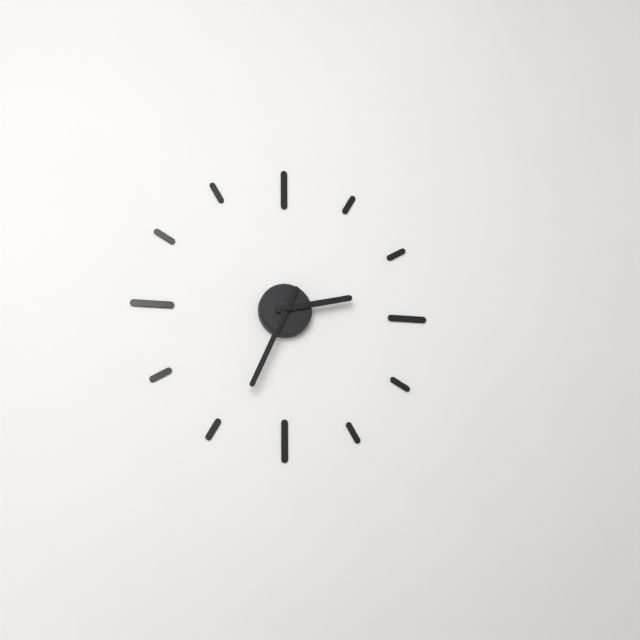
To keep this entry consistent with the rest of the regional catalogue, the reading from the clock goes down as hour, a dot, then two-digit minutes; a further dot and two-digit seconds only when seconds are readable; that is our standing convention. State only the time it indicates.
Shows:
2.34
